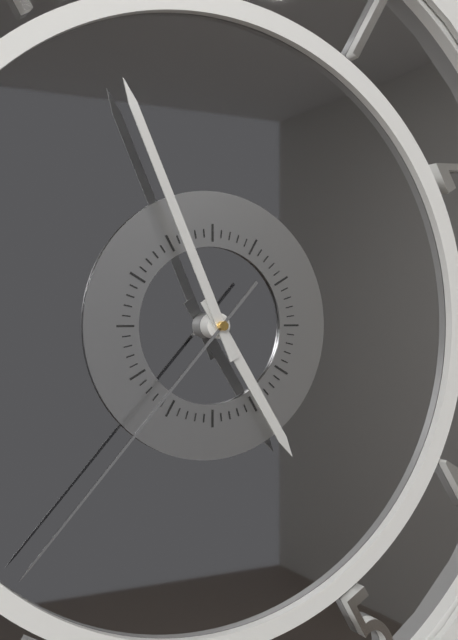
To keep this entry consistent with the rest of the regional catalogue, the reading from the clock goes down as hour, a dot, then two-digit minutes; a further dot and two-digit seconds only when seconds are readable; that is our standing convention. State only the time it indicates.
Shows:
4.56.37
